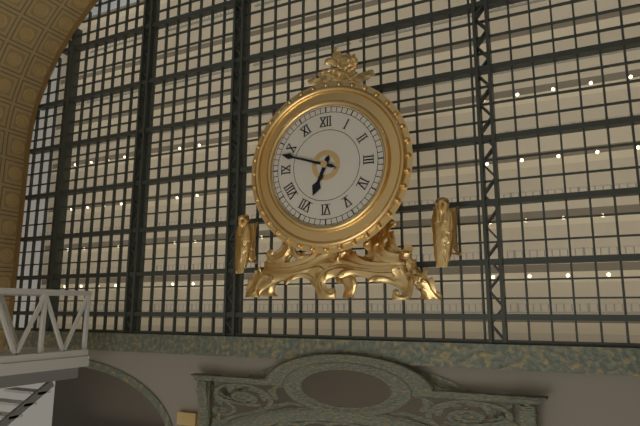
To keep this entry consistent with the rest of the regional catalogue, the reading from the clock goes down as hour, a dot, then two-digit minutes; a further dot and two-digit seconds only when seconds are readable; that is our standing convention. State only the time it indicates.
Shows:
6.48
